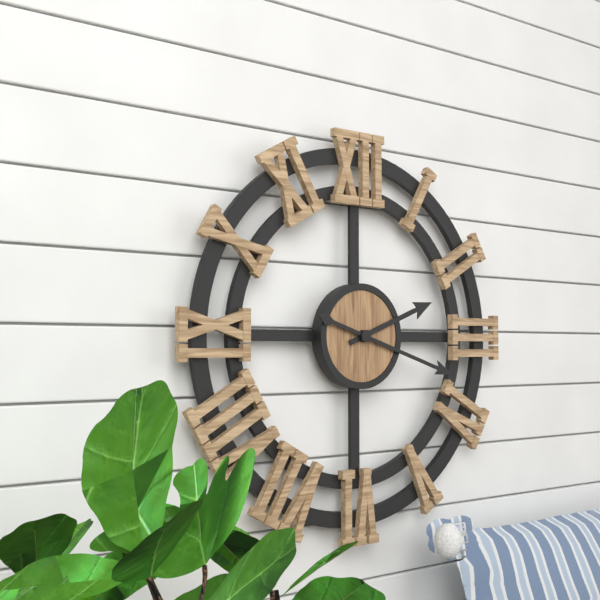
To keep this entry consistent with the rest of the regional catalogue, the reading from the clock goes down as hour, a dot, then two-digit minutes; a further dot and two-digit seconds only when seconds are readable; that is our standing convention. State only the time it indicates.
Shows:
2.18
